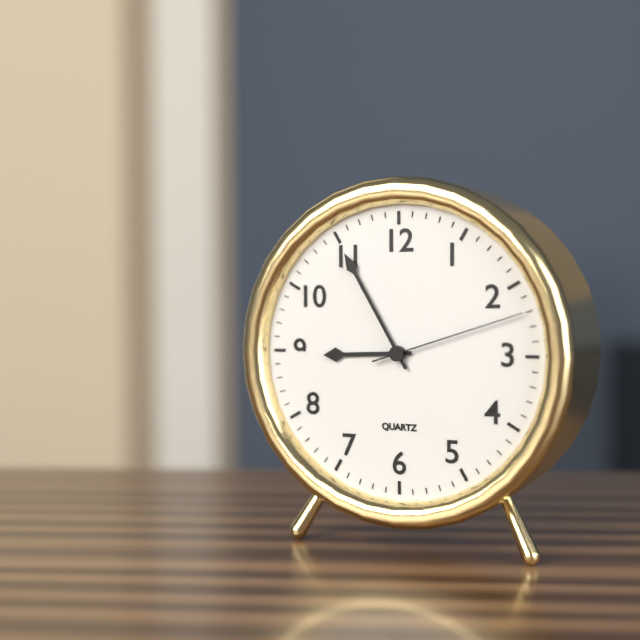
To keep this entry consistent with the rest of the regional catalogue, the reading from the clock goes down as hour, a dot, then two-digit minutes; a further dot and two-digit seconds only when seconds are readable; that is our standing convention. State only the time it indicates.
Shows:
8.55.12
